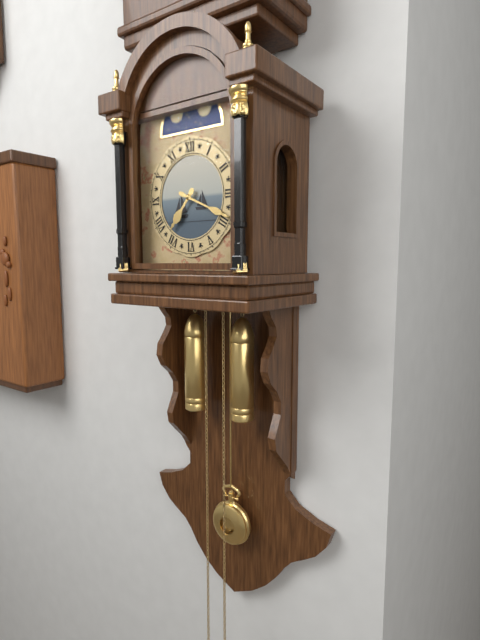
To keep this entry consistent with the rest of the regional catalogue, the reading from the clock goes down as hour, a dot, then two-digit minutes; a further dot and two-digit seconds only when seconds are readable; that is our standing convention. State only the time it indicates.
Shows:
7.19
